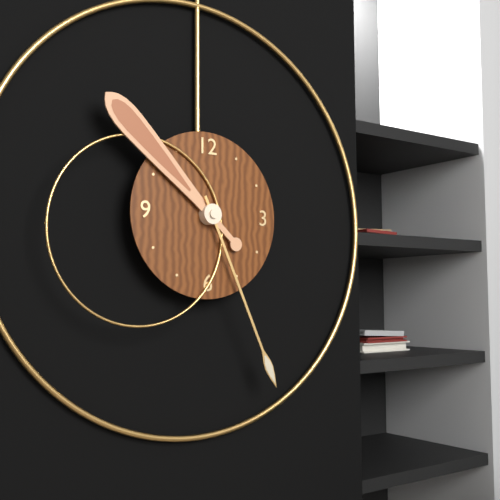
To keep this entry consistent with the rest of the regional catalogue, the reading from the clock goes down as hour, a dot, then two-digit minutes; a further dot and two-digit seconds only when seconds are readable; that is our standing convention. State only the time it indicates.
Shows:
10.26
